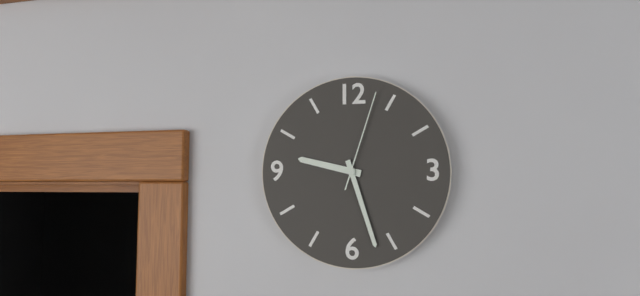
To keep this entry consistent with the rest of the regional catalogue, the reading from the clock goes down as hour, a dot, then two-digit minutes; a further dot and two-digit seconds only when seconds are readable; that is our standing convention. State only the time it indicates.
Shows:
9.27.03
